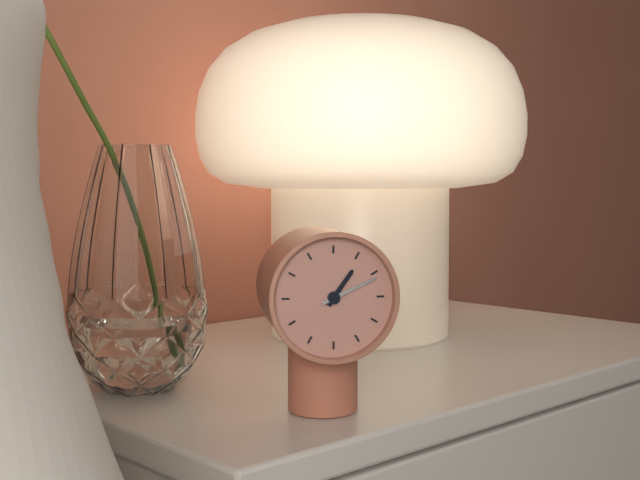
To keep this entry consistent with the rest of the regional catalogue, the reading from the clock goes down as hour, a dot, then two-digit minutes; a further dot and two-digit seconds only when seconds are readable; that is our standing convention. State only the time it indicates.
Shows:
1.11
